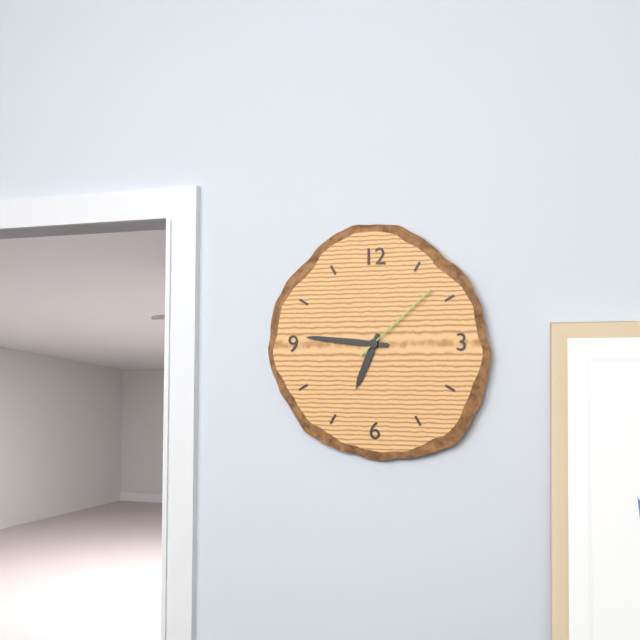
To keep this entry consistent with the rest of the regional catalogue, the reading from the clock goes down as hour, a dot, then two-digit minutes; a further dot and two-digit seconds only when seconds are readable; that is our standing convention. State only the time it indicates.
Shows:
6.46.08
